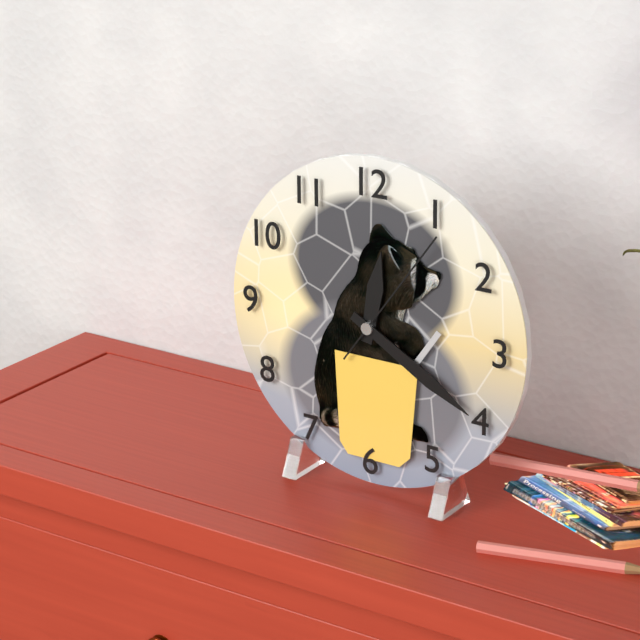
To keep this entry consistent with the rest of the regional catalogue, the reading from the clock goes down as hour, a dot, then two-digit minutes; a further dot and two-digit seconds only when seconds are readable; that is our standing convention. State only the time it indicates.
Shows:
12.20.06
